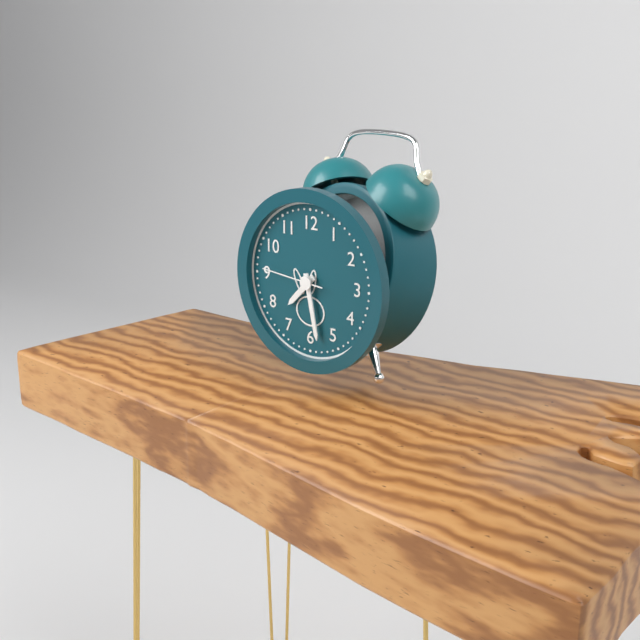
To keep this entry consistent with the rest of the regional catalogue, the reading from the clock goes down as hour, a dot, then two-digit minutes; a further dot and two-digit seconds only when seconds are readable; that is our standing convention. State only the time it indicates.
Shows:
7.28.46
